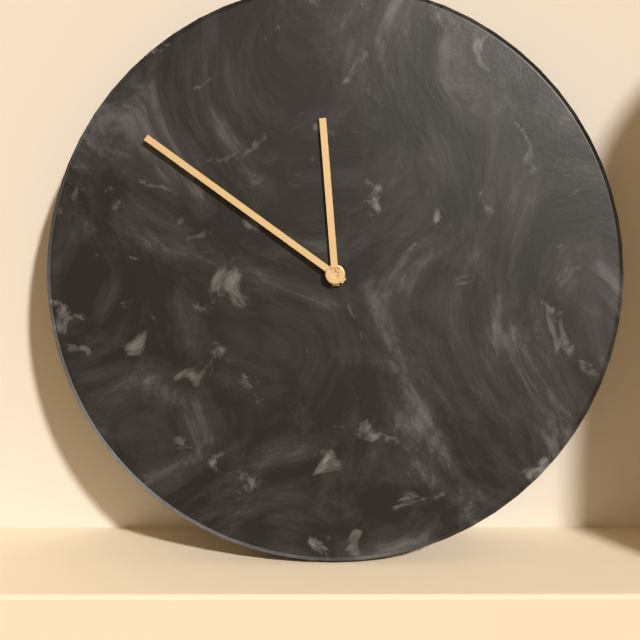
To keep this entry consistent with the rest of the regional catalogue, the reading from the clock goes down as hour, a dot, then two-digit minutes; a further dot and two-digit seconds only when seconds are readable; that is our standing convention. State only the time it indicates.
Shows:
11.51
